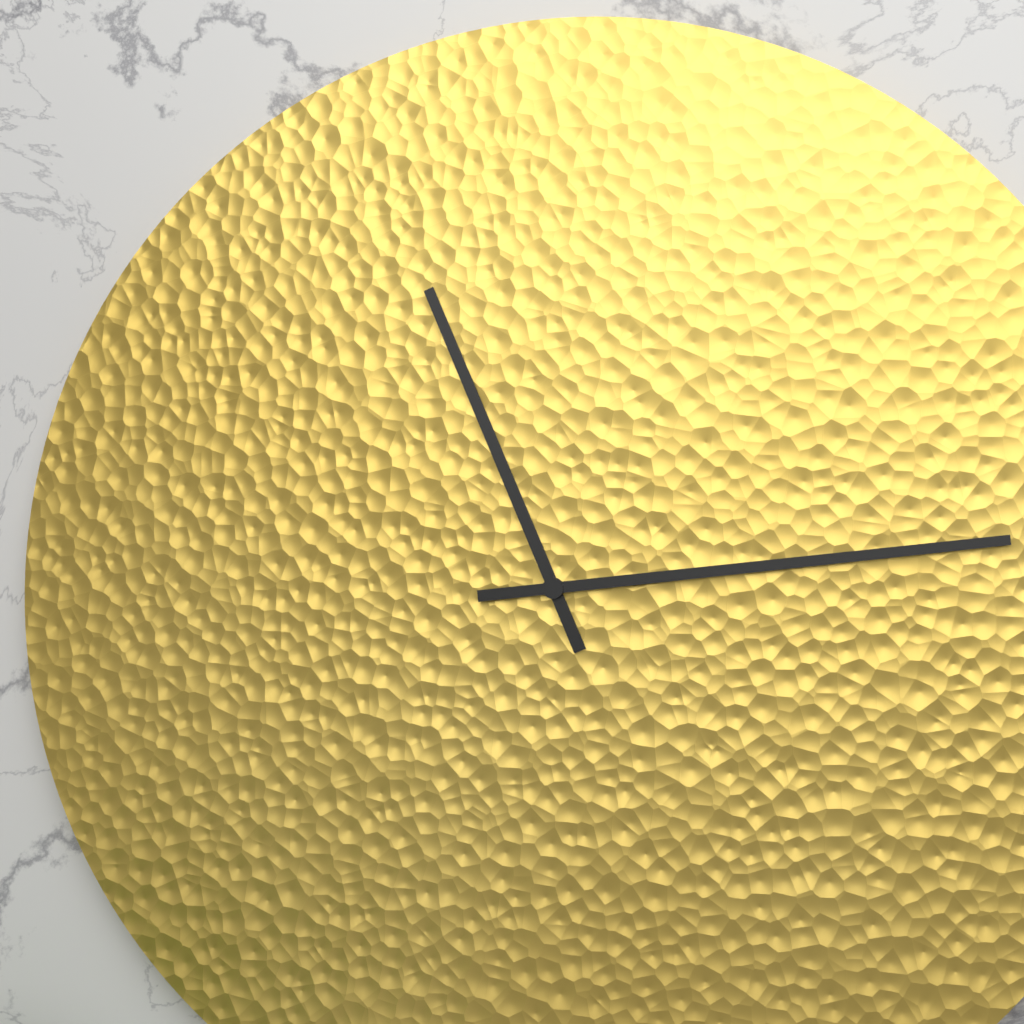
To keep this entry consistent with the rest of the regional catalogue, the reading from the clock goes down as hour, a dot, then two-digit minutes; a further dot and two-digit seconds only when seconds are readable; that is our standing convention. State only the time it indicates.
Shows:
11.14
